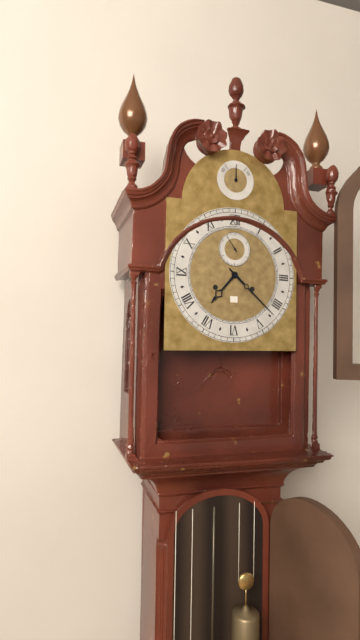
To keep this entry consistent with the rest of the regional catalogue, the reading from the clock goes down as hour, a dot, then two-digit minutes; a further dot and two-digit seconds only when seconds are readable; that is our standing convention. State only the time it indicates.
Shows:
7.22
